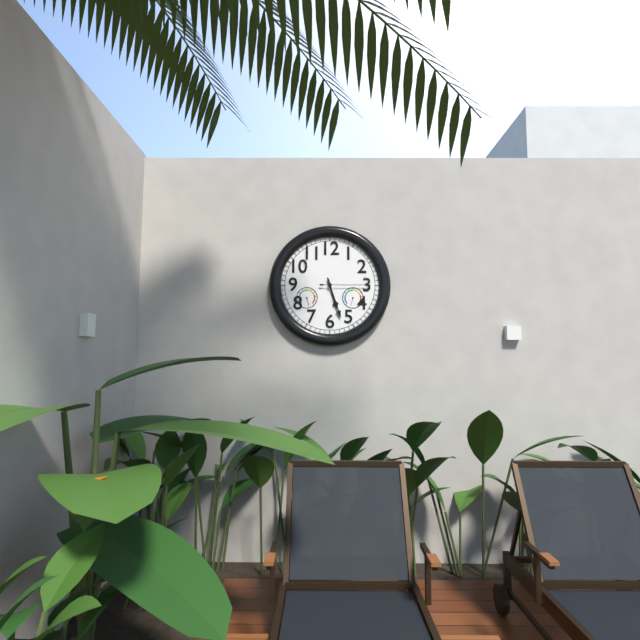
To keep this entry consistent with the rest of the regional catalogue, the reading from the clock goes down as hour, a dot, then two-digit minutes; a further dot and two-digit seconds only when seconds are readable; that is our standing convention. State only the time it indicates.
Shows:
5.27.15
